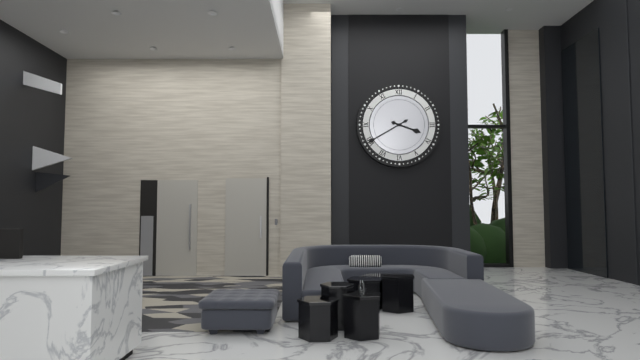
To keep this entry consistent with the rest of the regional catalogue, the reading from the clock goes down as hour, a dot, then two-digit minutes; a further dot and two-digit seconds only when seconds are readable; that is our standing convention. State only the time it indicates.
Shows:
3.40
